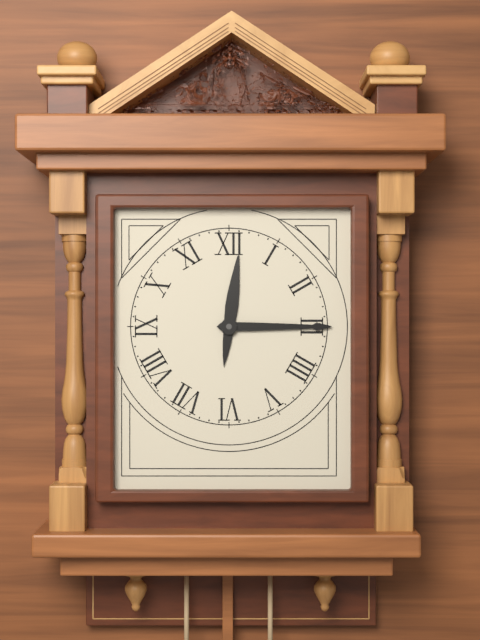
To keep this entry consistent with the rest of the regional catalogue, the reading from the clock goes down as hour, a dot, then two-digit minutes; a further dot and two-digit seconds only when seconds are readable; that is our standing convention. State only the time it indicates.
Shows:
12.15
